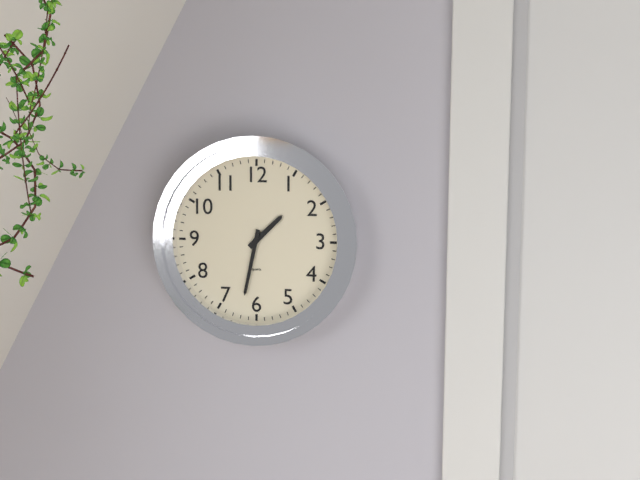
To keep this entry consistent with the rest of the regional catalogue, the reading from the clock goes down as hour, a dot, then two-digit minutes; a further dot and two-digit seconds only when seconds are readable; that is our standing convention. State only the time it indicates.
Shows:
1.32
